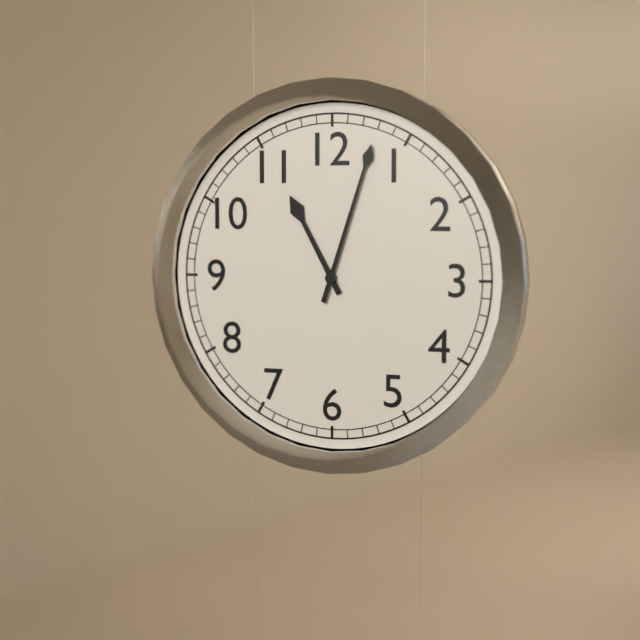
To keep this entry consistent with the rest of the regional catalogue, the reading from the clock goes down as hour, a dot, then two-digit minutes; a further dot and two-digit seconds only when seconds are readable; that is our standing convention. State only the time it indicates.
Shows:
11.03
